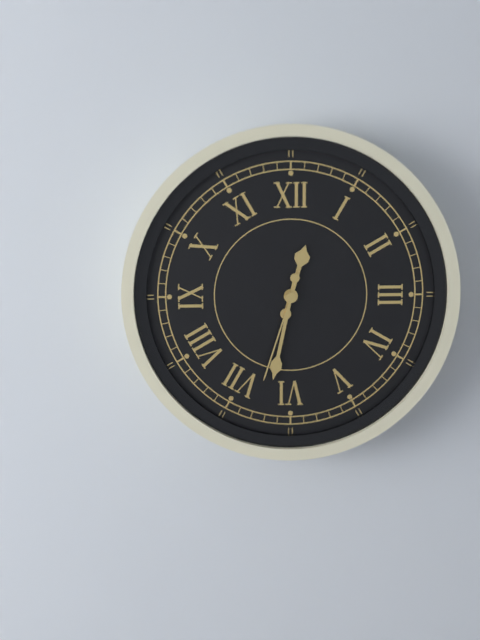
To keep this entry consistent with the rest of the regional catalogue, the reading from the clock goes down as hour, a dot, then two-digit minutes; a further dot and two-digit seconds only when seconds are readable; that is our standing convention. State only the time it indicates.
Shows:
12.32.33
